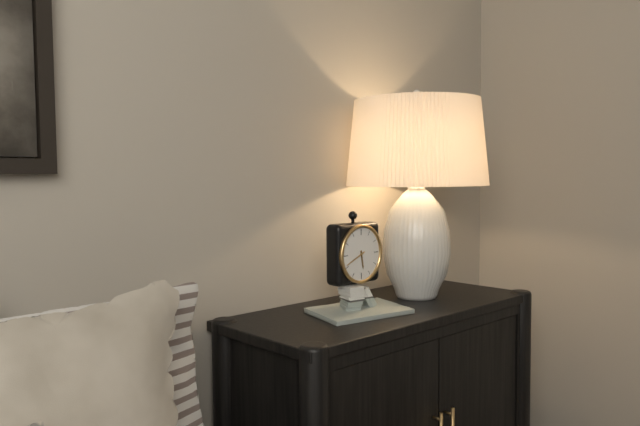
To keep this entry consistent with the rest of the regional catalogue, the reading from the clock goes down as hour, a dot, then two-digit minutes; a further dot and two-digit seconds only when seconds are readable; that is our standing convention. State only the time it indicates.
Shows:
5.41
